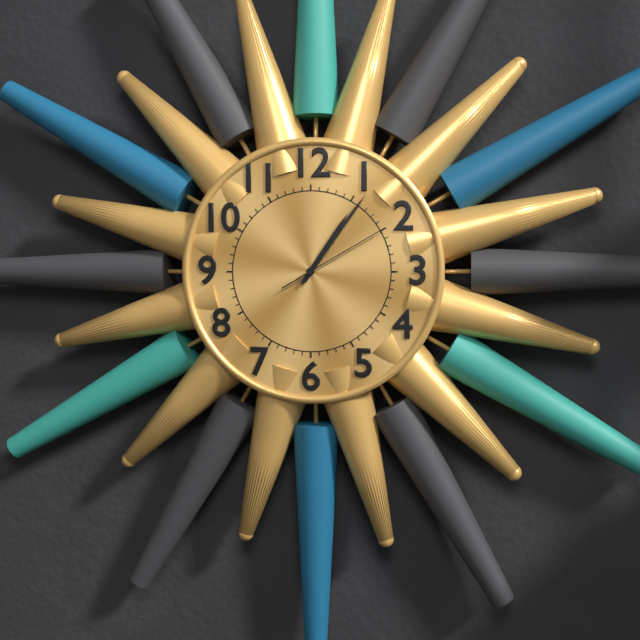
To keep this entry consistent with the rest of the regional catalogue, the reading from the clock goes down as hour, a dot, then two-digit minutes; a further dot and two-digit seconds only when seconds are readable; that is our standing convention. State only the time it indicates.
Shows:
1.06.10
